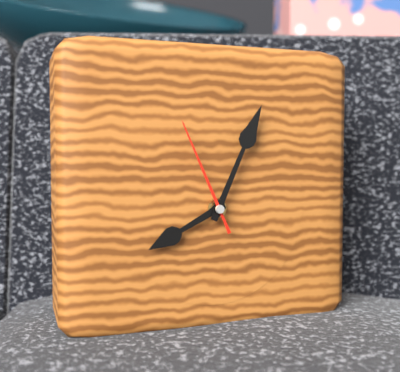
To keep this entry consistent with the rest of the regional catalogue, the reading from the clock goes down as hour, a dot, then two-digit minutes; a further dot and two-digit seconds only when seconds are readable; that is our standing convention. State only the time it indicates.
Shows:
8.04.56
